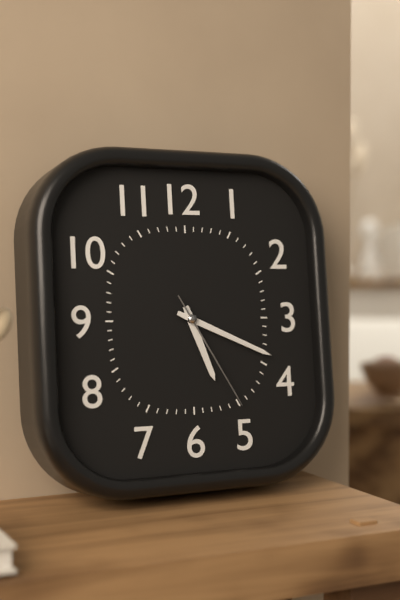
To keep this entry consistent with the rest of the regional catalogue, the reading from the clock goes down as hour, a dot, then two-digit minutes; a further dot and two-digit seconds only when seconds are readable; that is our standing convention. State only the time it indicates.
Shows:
5.19.25
